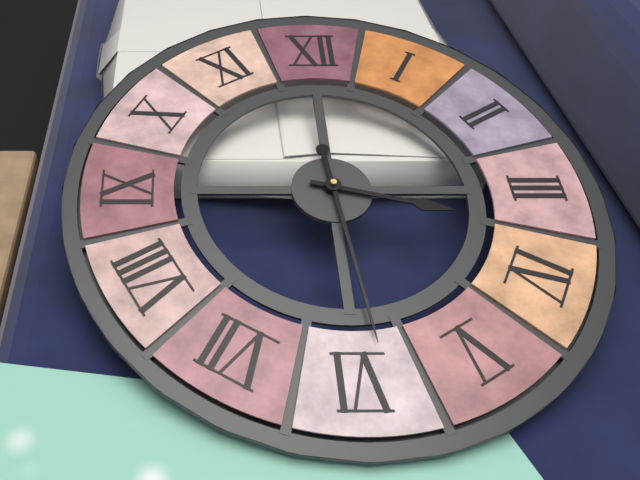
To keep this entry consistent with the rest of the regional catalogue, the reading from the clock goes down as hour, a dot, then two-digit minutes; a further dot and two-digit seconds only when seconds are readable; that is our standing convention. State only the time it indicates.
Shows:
3.29
